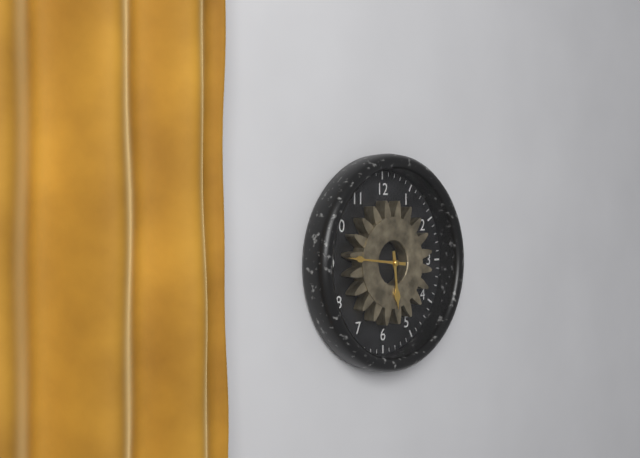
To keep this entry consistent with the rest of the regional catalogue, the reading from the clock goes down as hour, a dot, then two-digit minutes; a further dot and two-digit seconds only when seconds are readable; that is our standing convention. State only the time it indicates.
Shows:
5.46
